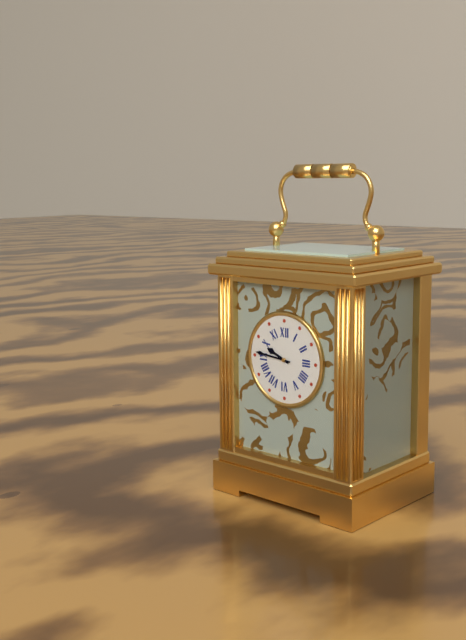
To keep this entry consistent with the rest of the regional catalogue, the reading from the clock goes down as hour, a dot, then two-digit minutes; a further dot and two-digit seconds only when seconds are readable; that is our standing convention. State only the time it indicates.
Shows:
9.46
